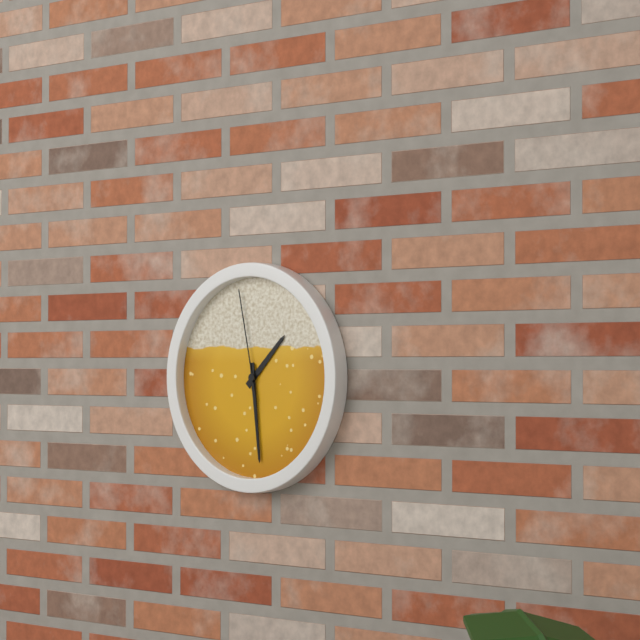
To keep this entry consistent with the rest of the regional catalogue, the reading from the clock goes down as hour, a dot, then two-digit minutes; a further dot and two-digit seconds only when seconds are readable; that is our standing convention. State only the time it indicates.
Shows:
1.29.58
